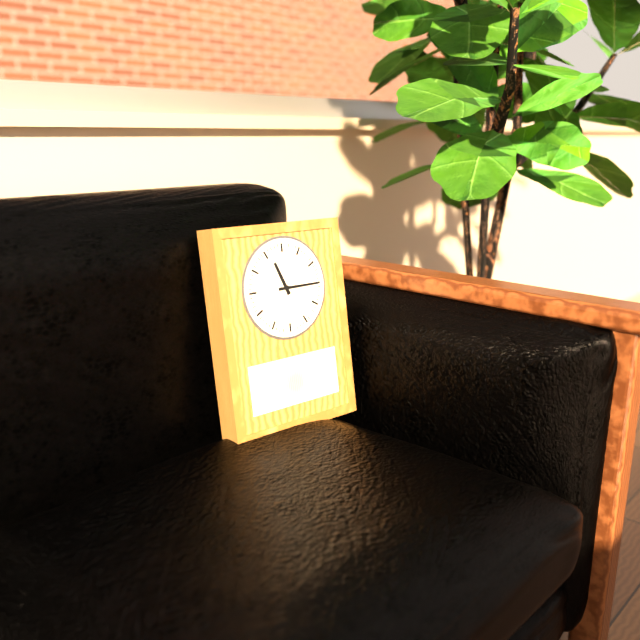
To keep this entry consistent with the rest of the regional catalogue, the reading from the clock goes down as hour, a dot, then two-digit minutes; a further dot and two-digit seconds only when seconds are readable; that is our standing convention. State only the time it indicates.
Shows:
11.15
